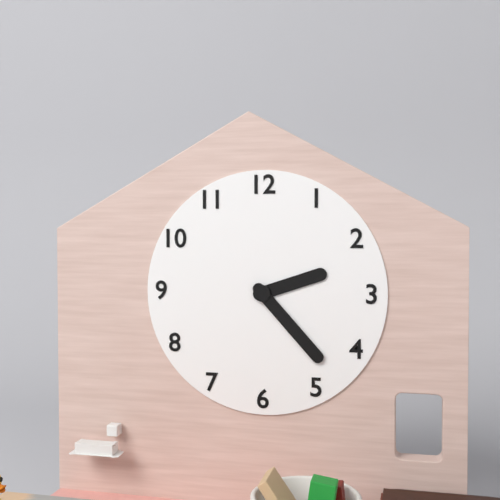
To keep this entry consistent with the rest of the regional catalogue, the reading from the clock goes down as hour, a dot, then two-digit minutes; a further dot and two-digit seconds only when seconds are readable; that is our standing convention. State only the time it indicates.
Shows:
2.23
